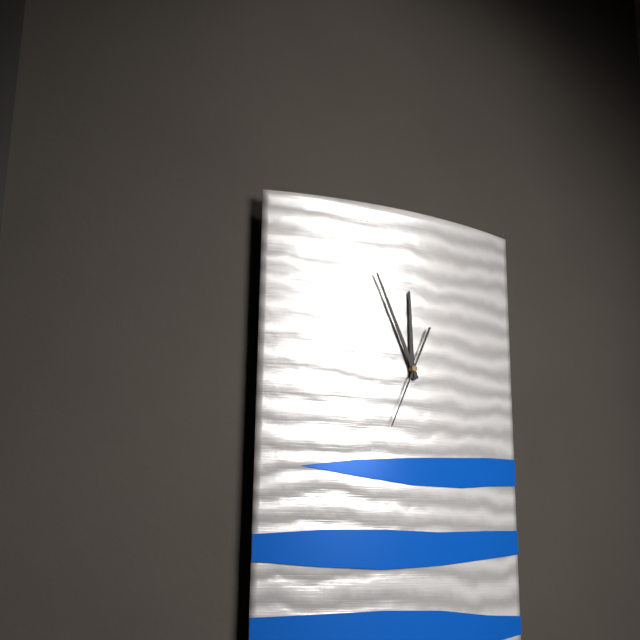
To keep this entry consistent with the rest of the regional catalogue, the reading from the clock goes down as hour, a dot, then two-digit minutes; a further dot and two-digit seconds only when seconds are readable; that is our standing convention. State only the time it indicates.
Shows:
11.56.34
